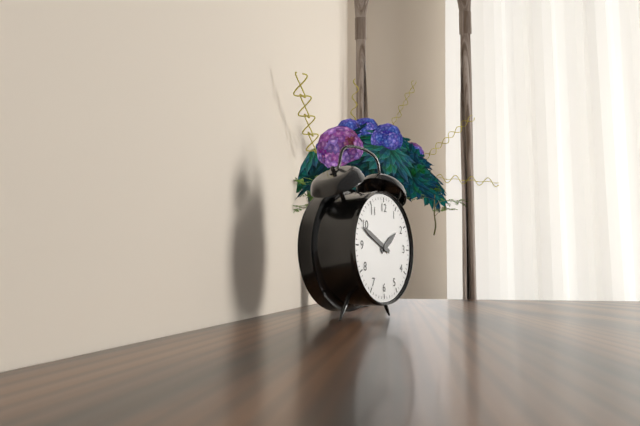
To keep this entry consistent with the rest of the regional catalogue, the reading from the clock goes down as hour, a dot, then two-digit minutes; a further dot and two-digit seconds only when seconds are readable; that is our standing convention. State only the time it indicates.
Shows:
1.49
